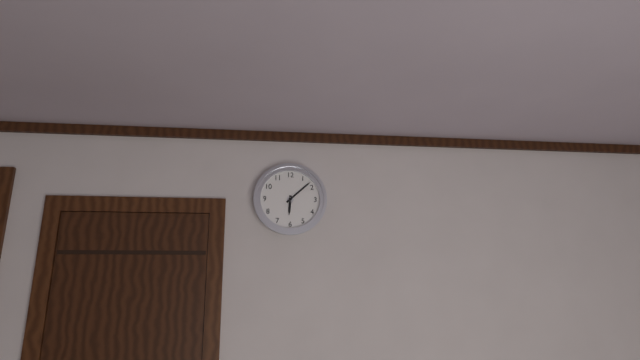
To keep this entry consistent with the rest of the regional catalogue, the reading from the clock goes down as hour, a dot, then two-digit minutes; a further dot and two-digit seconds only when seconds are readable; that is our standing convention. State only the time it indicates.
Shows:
6.08
